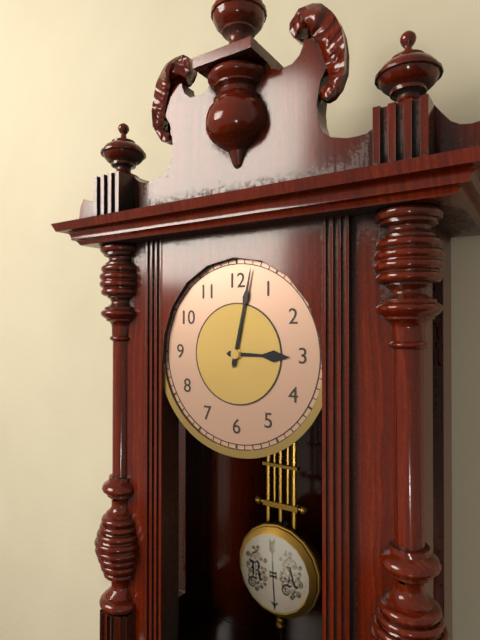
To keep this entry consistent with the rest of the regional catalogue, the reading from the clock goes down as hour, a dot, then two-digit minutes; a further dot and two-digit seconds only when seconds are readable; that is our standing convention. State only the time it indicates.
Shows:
3.02
